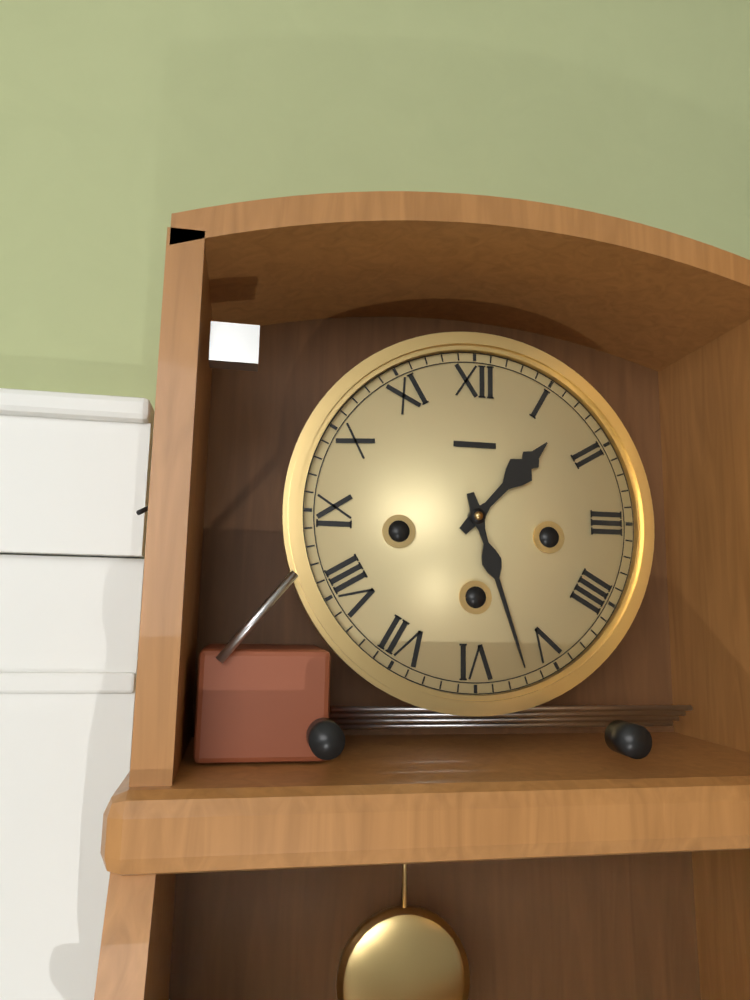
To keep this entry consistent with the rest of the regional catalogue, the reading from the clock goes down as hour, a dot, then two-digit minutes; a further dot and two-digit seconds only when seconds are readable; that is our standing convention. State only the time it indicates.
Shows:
1.27
